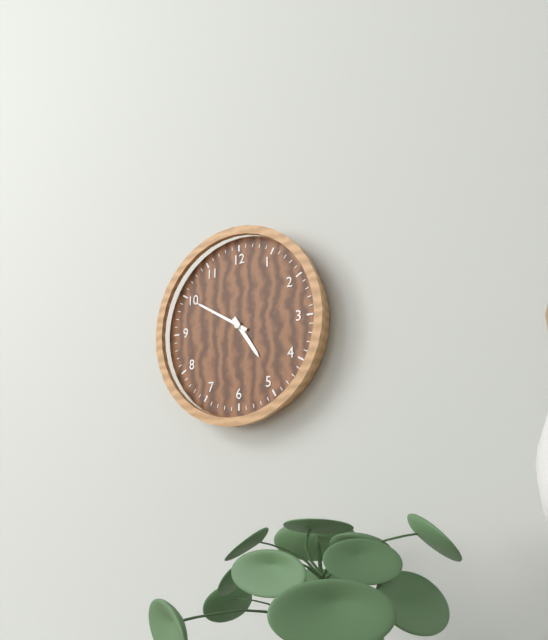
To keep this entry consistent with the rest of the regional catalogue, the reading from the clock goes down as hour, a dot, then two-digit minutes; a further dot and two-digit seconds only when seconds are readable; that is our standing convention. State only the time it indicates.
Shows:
4.50
